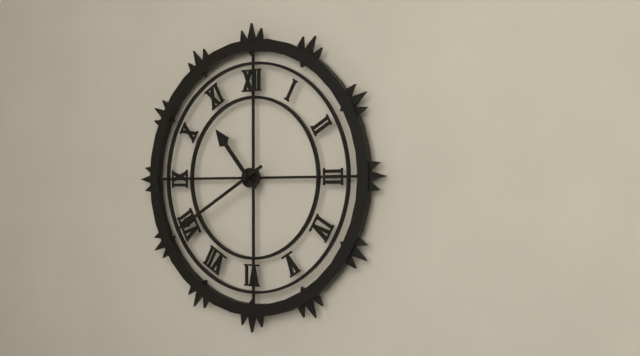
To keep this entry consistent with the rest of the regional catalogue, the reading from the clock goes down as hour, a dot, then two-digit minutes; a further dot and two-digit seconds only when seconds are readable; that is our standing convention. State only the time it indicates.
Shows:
10.40
